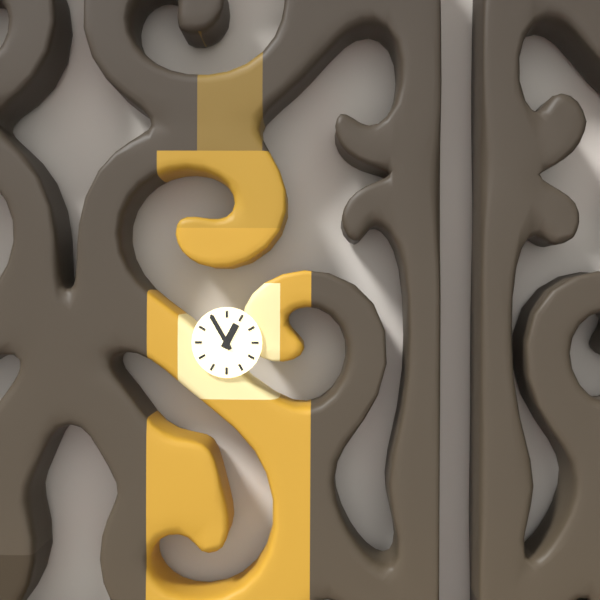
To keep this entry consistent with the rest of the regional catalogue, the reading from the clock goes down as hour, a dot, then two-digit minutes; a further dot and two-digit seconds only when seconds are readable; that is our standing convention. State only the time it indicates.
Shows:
12.55
